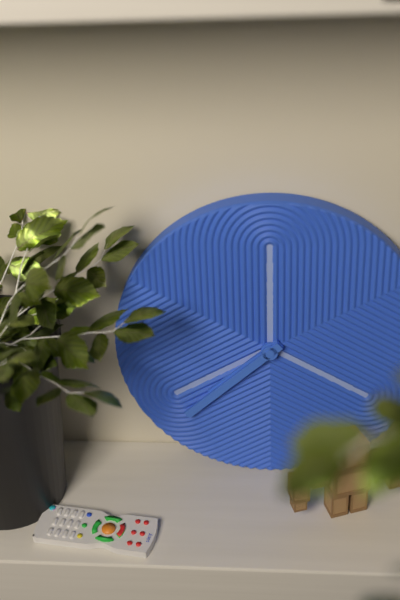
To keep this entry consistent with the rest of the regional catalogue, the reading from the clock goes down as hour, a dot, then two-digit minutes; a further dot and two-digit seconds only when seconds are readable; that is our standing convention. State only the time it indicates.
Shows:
7.38
